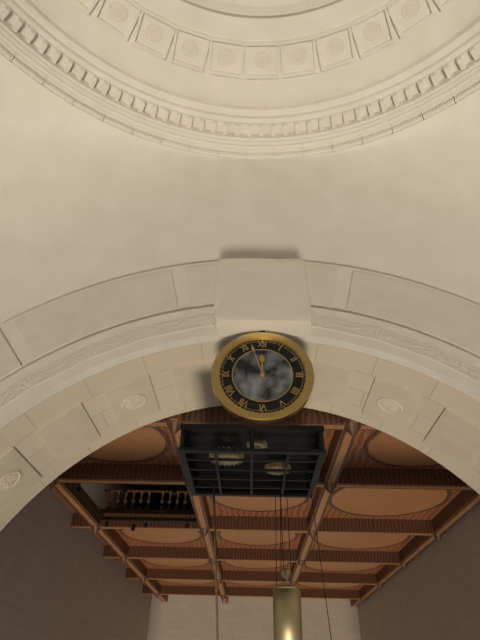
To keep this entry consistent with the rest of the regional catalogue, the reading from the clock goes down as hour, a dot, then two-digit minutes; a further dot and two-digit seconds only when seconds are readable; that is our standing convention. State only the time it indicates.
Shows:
11.57
